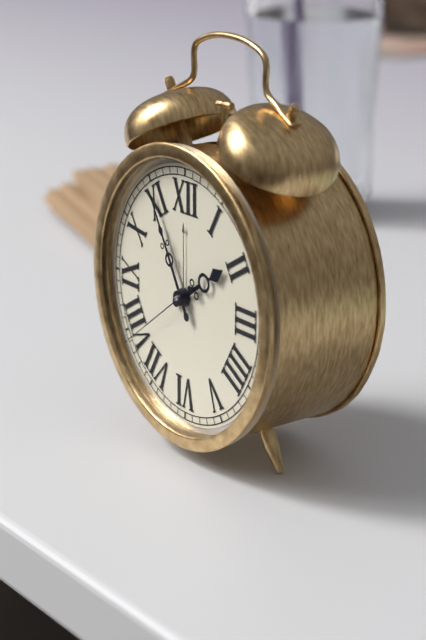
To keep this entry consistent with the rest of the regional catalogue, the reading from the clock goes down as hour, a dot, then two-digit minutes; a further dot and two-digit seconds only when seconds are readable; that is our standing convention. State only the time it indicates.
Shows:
1.55.39
